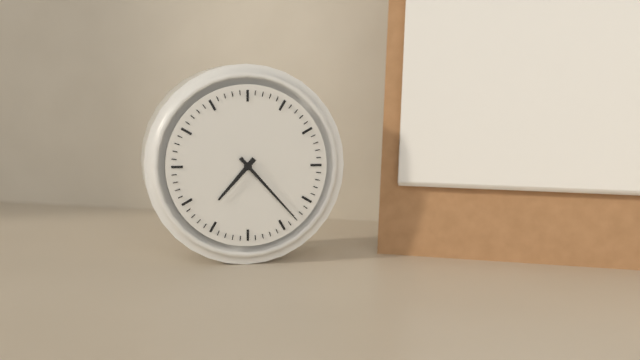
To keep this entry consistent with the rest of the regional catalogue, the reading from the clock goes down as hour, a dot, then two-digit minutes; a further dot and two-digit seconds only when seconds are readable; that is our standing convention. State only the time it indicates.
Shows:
7.23
